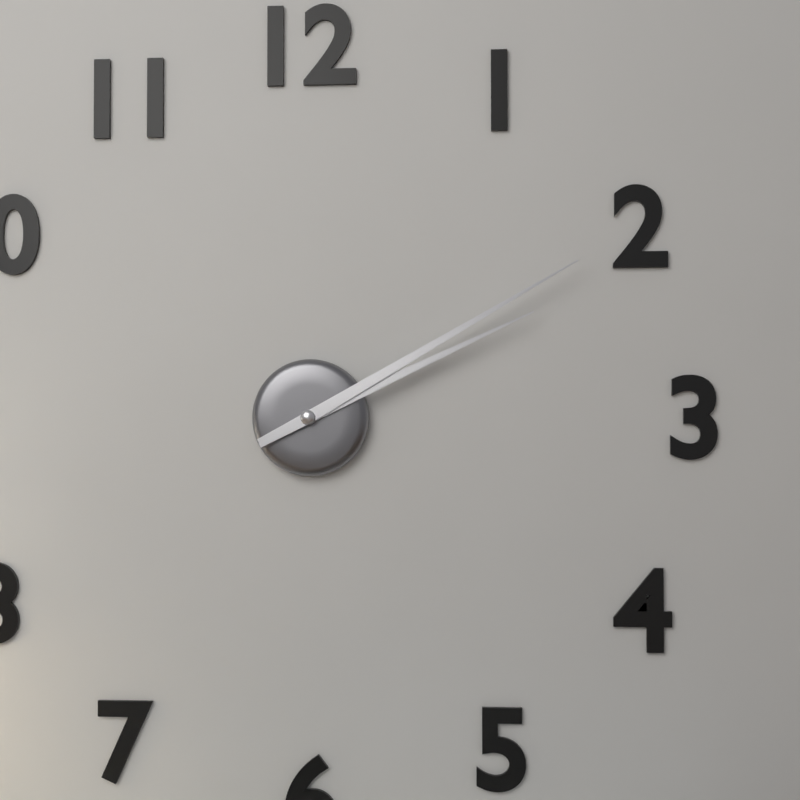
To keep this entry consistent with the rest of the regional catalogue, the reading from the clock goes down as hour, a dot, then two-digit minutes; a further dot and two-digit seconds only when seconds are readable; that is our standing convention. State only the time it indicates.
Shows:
2.10
